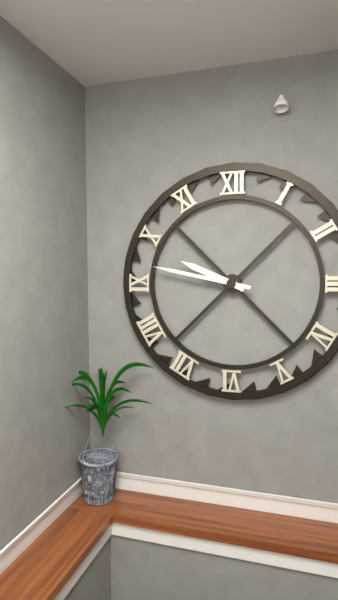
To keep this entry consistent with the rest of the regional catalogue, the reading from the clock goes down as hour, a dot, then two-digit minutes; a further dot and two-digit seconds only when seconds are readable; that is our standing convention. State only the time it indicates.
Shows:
9.47
